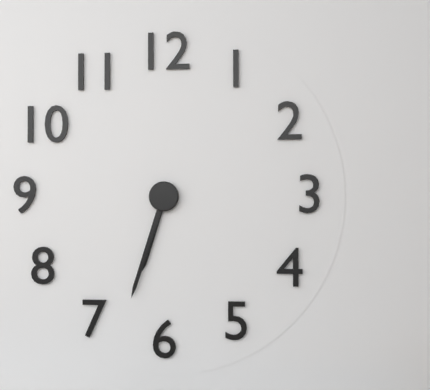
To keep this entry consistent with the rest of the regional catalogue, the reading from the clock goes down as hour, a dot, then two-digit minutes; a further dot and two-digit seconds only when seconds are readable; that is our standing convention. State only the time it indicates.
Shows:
6.33
